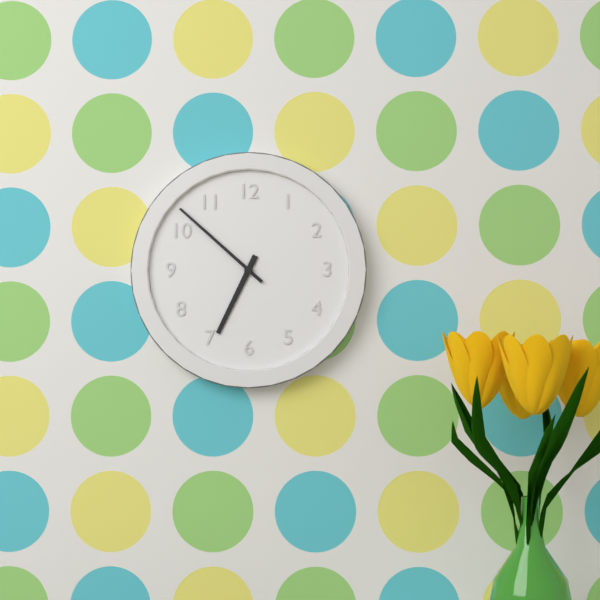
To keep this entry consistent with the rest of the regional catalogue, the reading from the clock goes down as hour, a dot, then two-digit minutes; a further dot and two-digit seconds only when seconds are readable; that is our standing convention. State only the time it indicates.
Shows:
6.52
